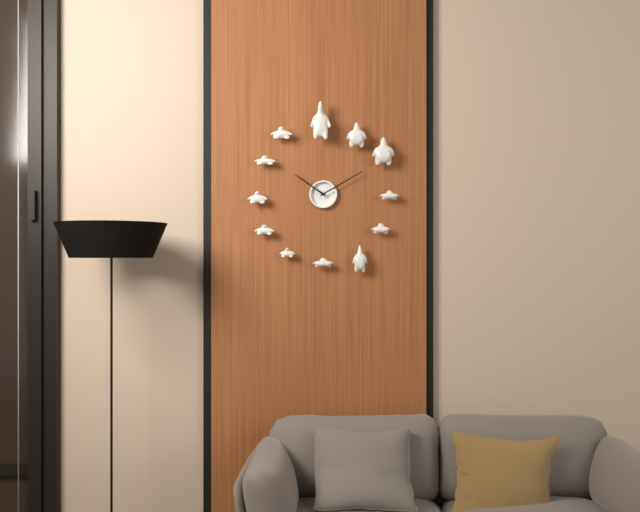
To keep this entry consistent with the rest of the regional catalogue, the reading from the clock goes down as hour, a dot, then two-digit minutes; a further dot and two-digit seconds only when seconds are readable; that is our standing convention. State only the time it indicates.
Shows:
10.10
